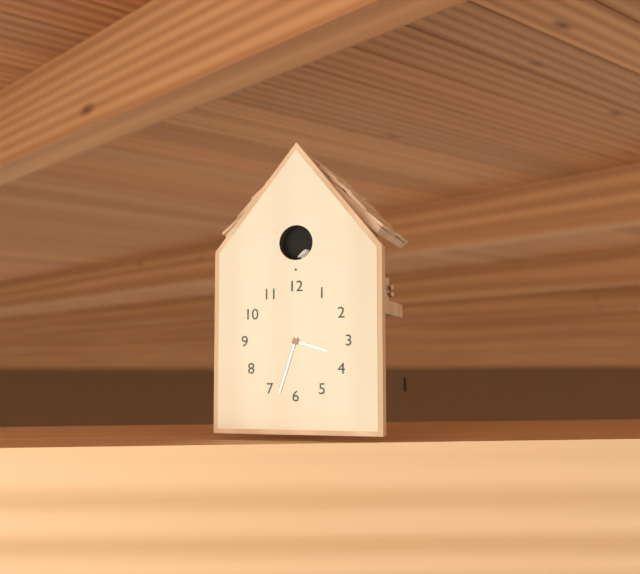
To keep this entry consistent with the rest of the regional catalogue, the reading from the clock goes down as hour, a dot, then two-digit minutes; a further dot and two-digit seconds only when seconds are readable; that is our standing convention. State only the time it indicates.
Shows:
3.33
